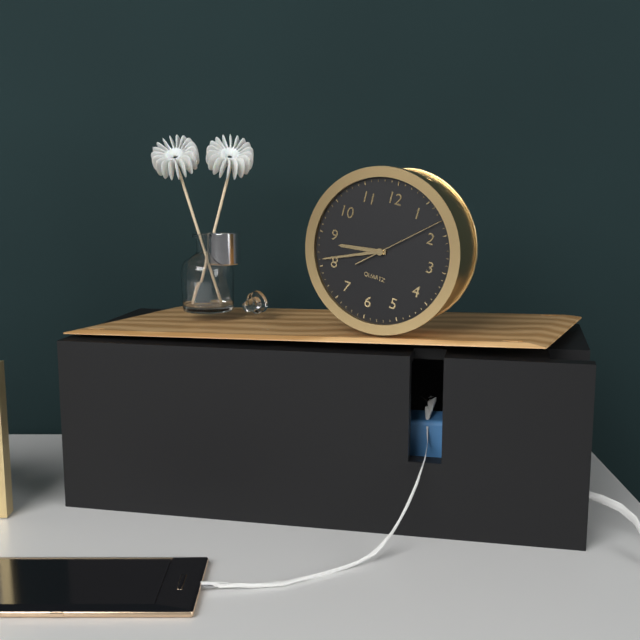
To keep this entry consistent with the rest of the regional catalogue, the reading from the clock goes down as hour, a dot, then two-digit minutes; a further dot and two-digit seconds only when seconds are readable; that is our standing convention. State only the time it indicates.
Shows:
8.41.08
